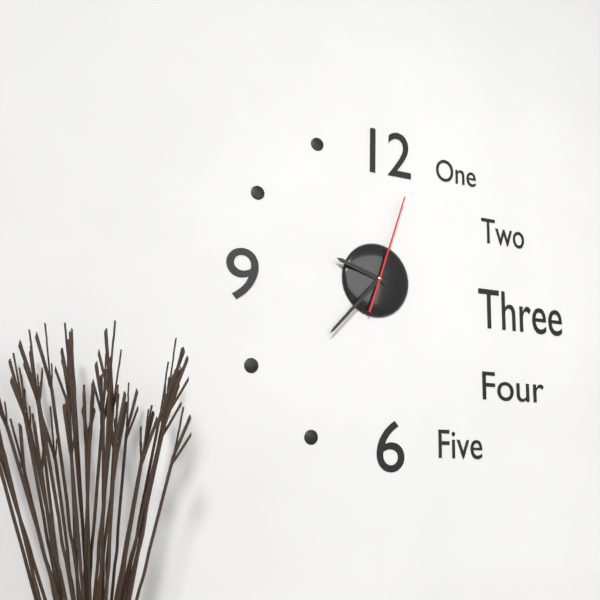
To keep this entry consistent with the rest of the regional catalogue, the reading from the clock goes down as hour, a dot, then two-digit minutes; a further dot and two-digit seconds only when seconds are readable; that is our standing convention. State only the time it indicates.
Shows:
9.37.03
